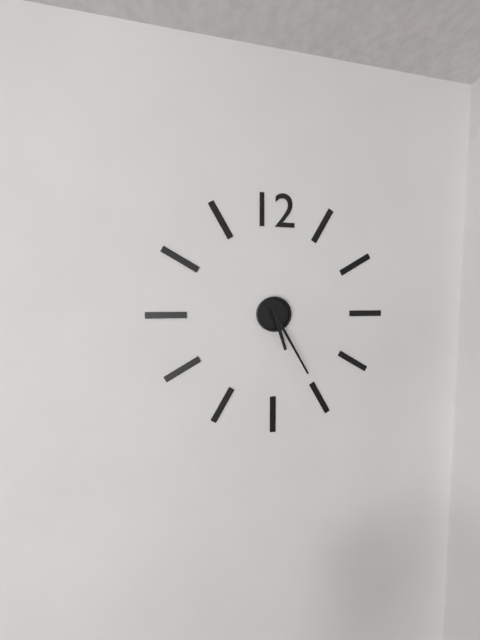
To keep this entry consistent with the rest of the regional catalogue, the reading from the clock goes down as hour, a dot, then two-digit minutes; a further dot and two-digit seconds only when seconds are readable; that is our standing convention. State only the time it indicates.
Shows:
5.25
